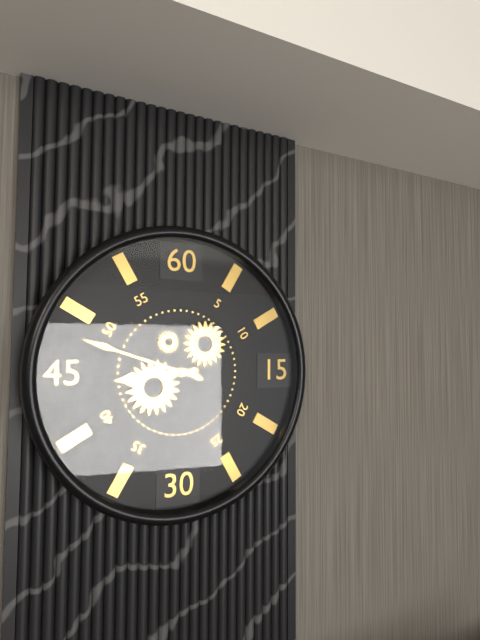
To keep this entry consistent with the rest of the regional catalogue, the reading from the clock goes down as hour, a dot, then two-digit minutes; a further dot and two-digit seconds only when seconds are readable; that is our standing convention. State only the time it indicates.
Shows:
8.48
